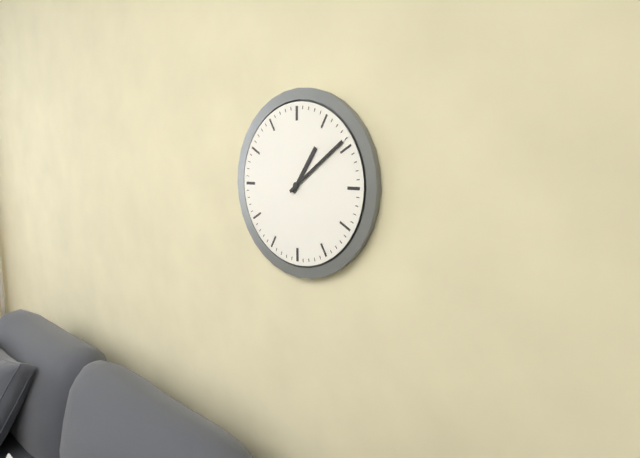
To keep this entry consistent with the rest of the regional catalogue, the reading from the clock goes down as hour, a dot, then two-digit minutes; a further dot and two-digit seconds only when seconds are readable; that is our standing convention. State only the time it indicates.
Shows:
1.09
